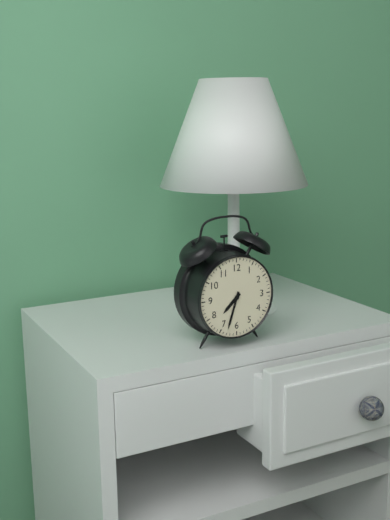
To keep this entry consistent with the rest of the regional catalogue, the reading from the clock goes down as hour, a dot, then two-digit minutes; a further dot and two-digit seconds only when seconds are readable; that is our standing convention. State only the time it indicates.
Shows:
7.33
